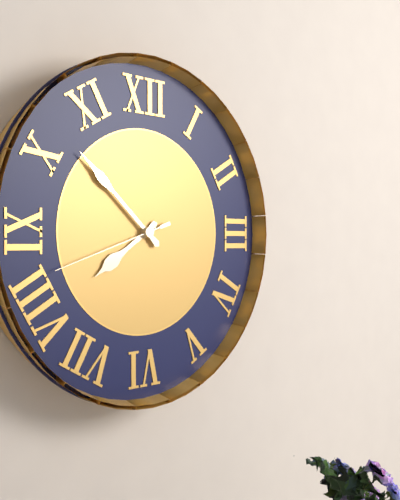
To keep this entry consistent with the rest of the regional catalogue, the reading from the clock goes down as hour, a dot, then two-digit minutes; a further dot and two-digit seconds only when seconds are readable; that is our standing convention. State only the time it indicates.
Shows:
7.52.42
